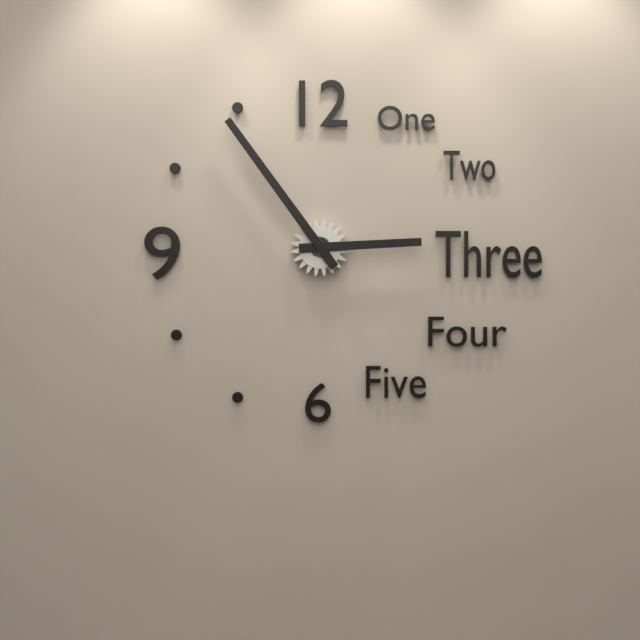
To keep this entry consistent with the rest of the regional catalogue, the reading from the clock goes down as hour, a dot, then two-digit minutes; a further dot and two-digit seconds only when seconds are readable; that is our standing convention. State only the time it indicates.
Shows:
2.54
